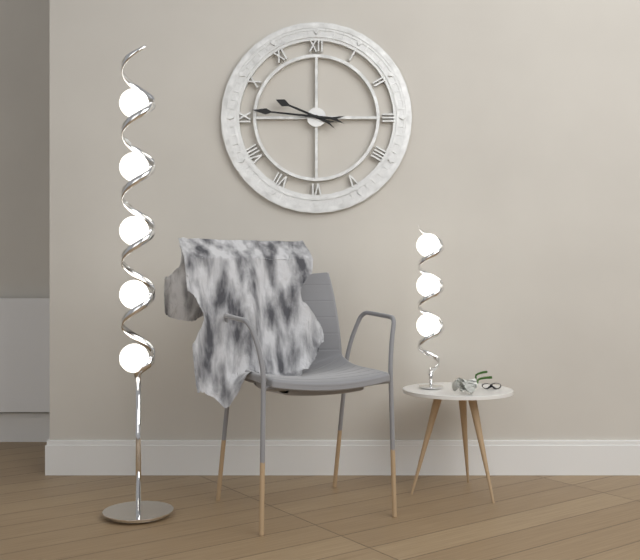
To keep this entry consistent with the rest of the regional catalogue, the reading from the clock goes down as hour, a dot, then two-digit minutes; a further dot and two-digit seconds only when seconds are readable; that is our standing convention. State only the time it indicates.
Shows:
9.46
